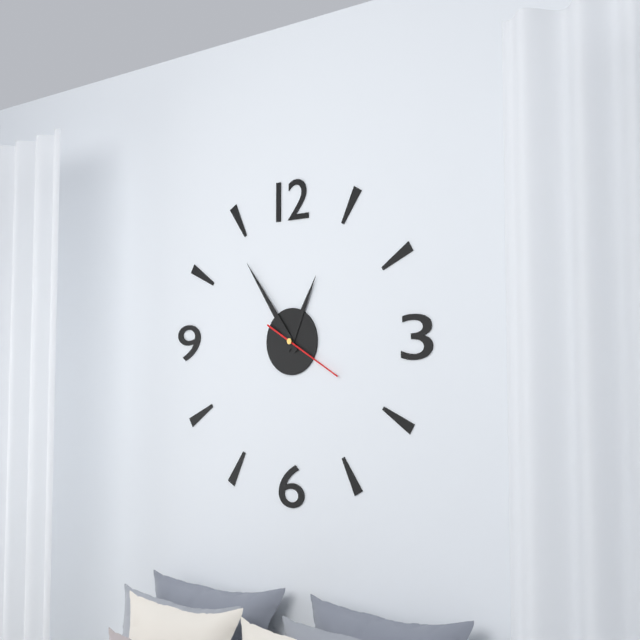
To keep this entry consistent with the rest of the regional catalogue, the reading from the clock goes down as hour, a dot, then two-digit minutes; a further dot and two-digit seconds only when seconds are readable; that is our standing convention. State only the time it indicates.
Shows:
12.54.20
